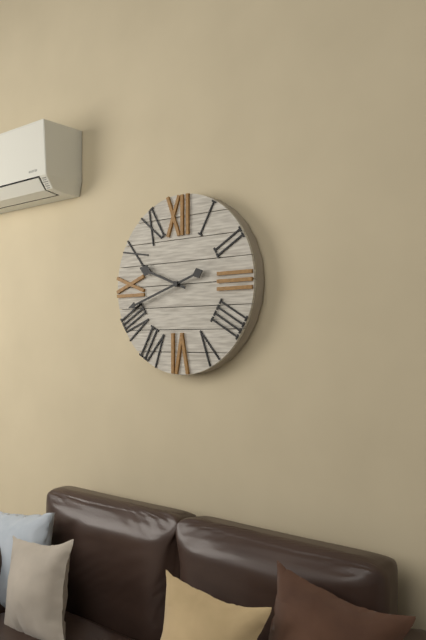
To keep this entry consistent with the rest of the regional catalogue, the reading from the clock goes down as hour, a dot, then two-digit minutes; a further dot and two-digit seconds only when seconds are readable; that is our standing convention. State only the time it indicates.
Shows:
9.42
